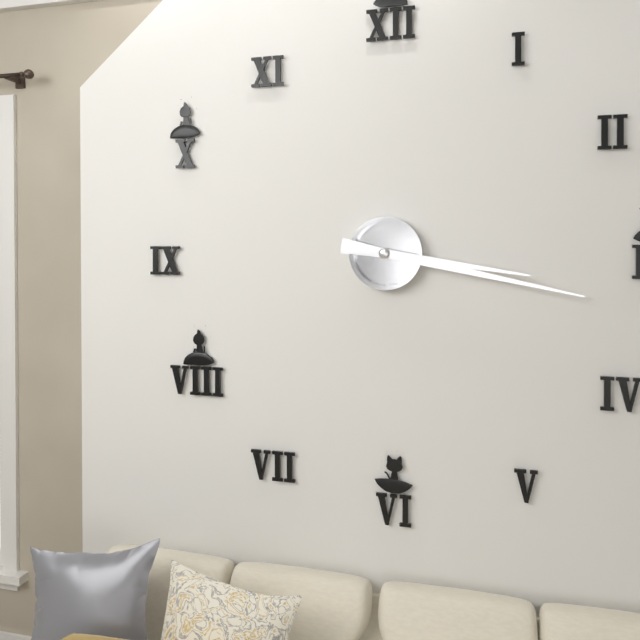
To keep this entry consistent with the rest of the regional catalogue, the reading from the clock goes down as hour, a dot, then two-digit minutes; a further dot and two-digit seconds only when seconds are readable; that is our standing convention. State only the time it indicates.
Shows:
3.17
